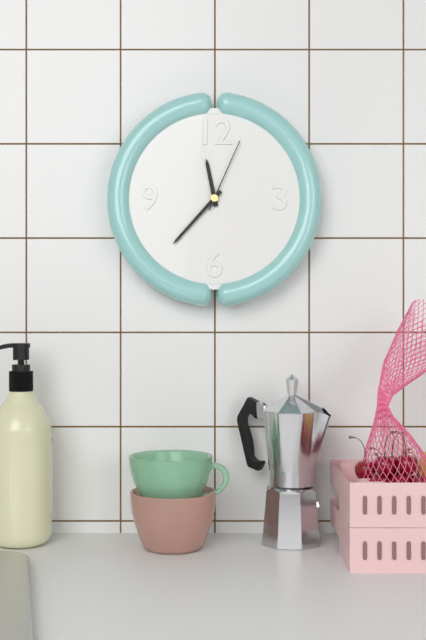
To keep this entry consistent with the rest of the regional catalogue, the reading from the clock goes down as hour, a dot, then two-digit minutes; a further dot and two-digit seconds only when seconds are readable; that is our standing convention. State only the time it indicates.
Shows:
11.37.04
